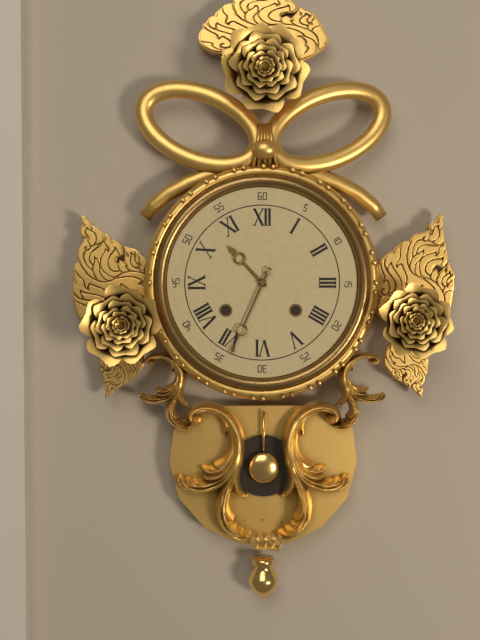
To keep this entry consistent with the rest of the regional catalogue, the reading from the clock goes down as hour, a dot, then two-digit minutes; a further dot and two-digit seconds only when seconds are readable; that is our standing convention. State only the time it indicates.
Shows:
10.34
